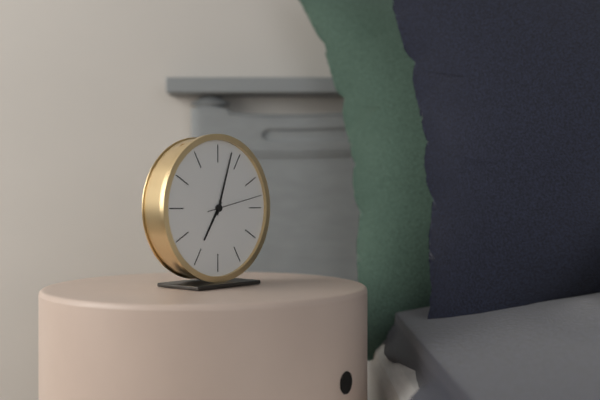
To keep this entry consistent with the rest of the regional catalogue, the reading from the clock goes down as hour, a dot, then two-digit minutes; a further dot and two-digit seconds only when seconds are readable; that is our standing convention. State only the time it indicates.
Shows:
7.03.13
